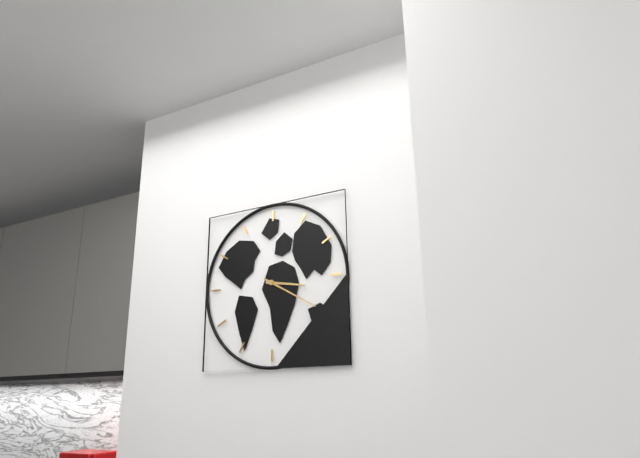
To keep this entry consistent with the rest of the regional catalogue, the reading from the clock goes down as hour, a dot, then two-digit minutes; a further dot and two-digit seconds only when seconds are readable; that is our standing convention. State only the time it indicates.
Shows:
3.20
